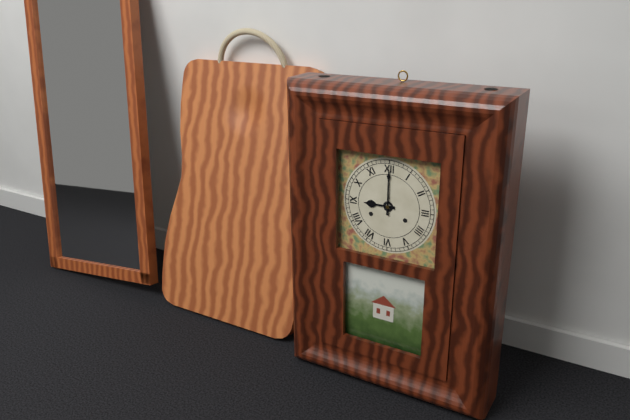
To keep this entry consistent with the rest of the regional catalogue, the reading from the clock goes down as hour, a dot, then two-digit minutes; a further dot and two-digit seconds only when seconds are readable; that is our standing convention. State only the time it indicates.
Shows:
9.00
